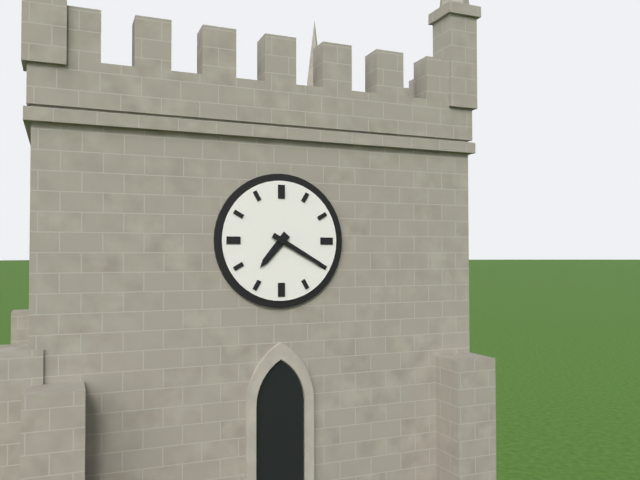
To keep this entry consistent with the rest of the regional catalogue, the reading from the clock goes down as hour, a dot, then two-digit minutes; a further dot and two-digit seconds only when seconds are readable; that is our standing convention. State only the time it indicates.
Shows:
7.20
